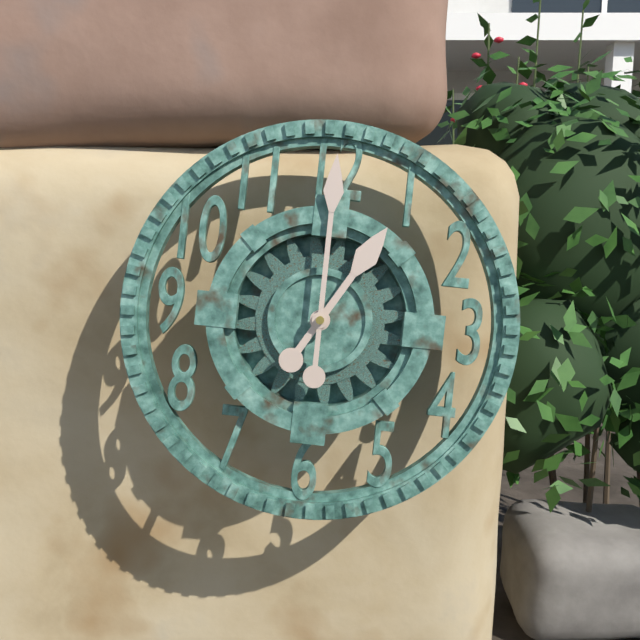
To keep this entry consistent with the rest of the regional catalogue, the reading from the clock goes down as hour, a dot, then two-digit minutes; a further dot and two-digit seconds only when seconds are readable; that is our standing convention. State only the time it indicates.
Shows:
1.00
